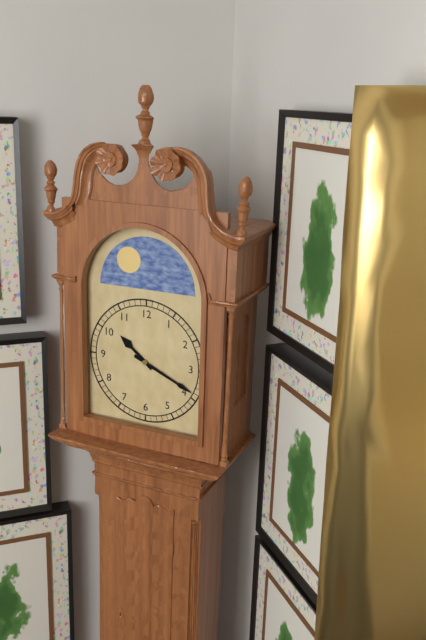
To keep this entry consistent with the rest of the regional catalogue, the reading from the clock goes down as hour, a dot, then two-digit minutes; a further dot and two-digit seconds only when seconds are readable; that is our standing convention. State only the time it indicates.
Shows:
10.19
